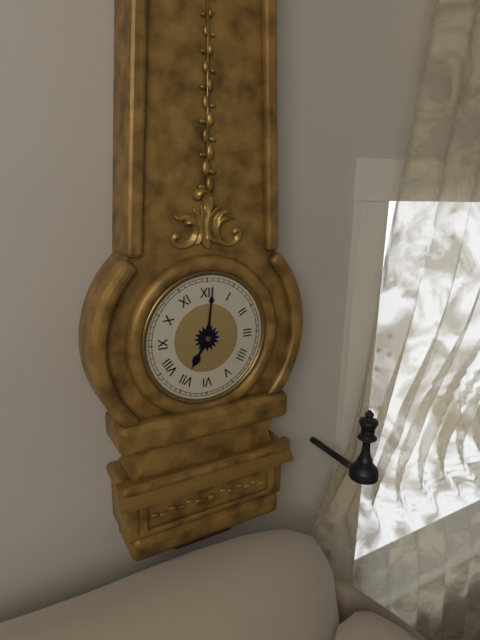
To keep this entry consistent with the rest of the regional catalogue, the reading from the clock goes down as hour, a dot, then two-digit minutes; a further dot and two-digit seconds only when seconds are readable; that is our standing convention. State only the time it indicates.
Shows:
7.01
